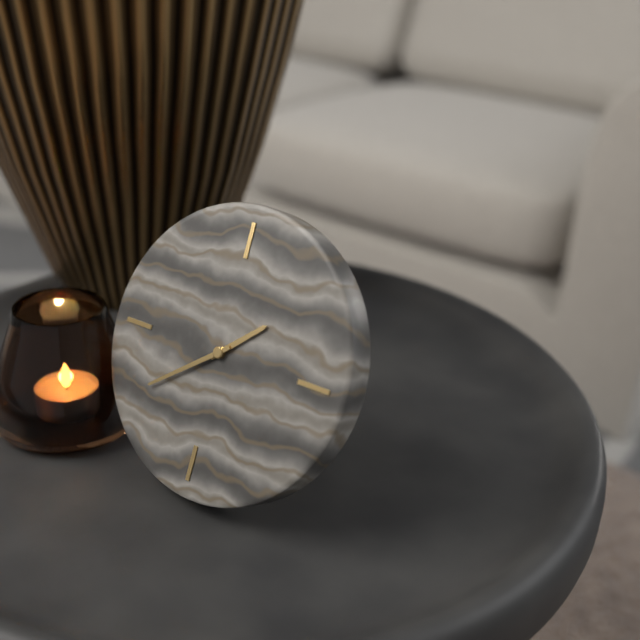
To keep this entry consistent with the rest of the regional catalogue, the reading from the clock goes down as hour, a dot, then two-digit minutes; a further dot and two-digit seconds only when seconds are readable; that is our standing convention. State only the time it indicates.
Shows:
1.39
